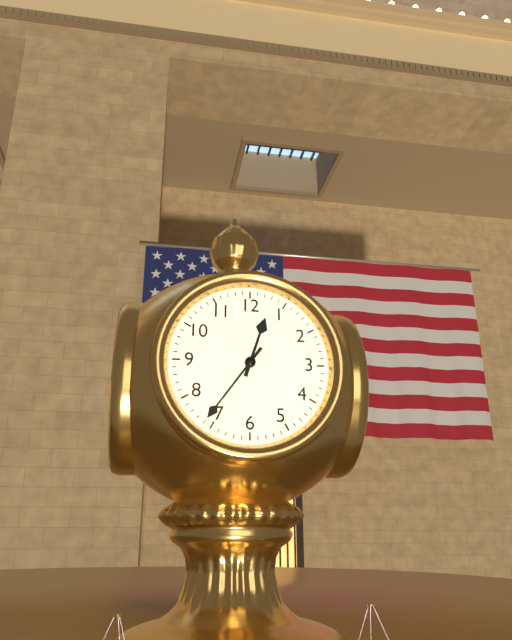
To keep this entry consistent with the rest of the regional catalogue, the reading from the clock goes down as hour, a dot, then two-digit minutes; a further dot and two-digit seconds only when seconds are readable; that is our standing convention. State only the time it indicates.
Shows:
12.36
